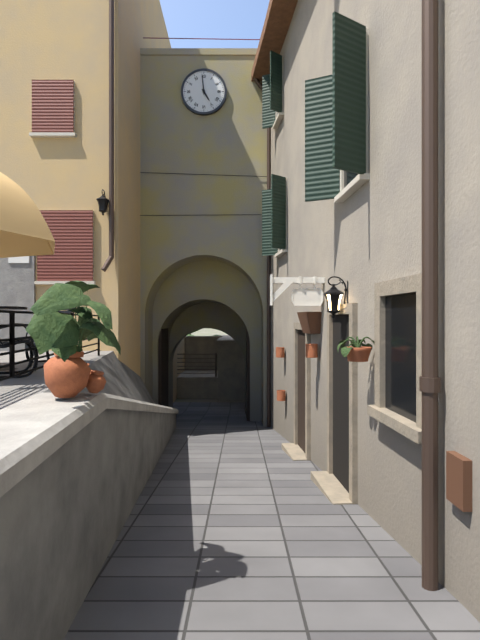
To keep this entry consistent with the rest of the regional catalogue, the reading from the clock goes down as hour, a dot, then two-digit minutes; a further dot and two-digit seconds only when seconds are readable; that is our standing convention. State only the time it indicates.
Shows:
4.59
